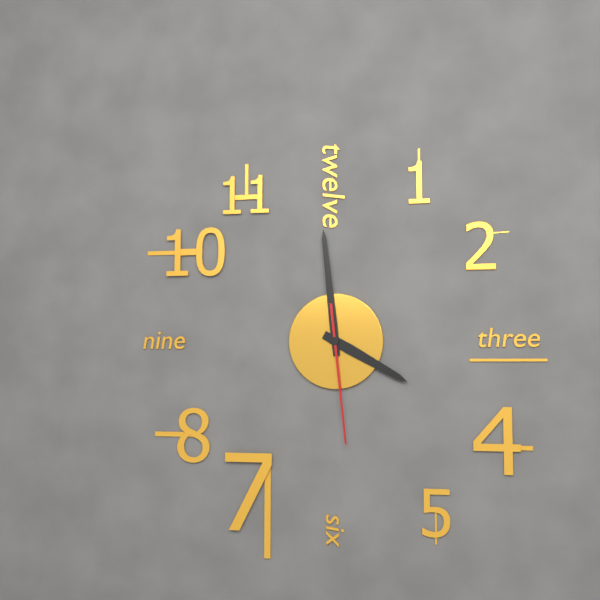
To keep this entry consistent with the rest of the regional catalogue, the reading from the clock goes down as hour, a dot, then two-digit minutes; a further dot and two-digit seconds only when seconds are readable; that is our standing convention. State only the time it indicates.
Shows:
3.59.29
